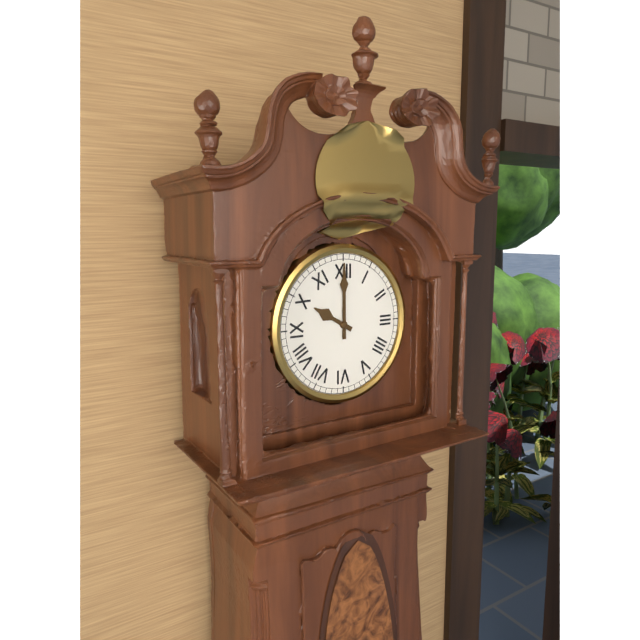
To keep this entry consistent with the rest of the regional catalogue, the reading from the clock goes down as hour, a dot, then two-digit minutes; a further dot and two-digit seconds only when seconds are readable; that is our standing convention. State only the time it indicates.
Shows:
10.00
